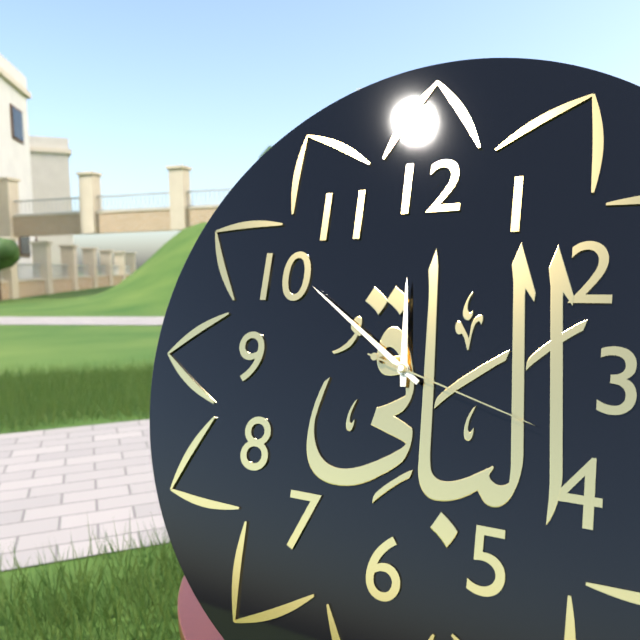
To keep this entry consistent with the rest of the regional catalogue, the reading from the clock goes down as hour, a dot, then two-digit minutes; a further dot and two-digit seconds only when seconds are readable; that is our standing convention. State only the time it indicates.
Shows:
11.51.18
